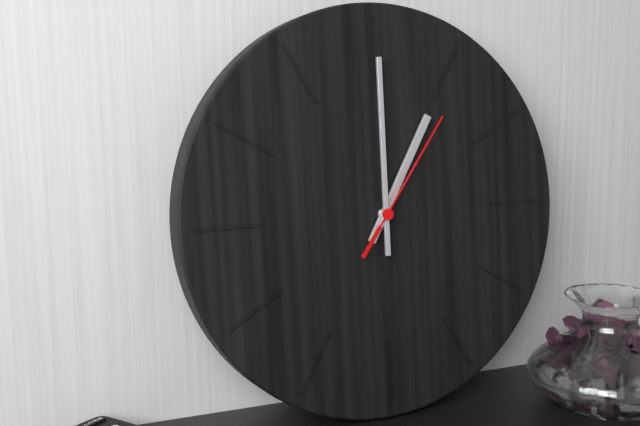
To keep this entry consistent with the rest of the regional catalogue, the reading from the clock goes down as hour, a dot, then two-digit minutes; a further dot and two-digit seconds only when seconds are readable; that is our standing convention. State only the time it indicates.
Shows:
1.00.06
